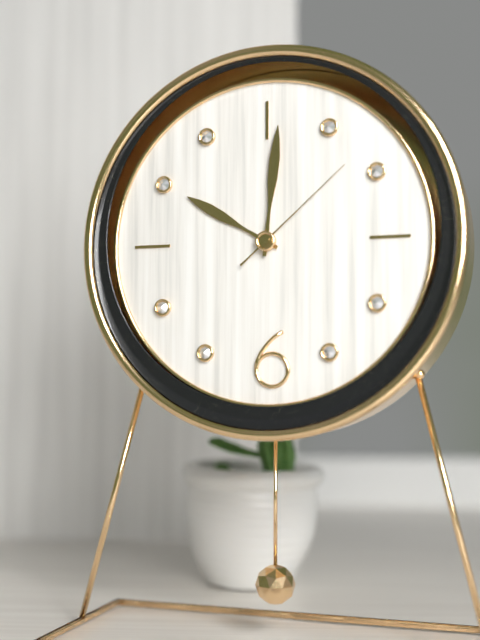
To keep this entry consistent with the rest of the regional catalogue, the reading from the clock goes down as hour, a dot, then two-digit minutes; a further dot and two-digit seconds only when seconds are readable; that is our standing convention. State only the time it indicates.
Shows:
10.01.08
